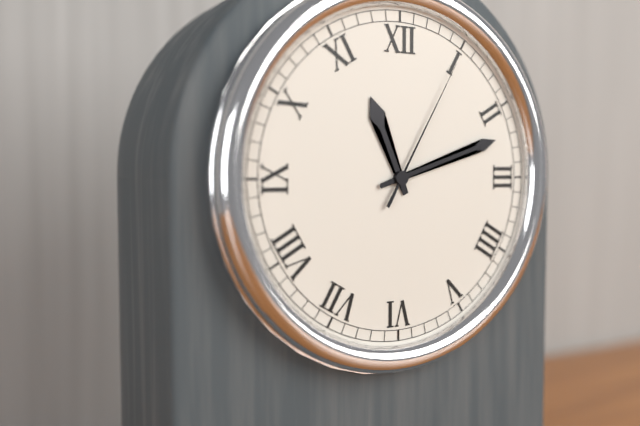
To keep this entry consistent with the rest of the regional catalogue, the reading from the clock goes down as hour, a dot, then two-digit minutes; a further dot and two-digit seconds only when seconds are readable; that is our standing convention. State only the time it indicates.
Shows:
11.12.05
